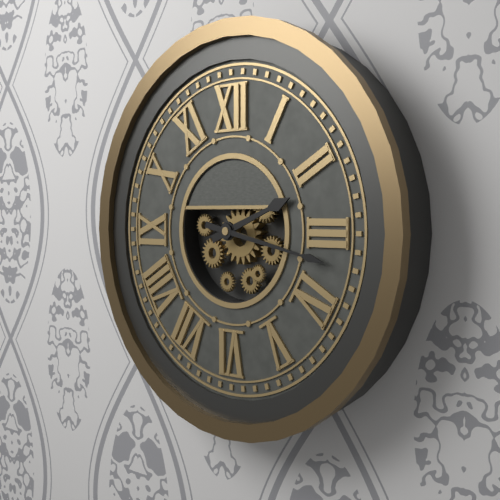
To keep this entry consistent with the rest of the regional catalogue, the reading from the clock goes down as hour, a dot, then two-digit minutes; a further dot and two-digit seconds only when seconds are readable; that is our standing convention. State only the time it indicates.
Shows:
2.17
